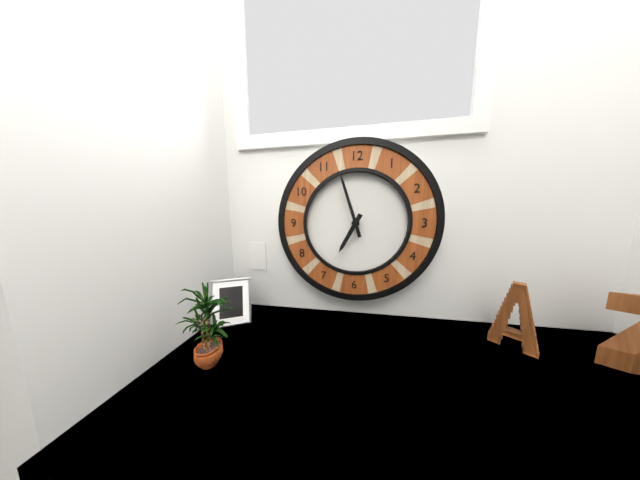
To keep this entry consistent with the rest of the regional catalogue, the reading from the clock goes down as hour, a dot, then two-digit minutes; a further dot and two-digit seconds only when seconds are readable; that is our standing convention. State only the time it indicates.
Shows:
6.57
